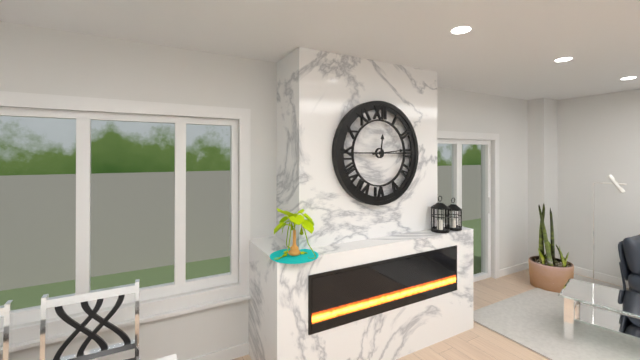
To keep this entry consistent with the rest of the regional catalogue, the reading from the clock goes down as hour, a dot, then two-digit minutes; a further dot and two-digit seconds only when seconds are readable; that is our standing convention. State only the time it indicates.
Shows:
12.14
